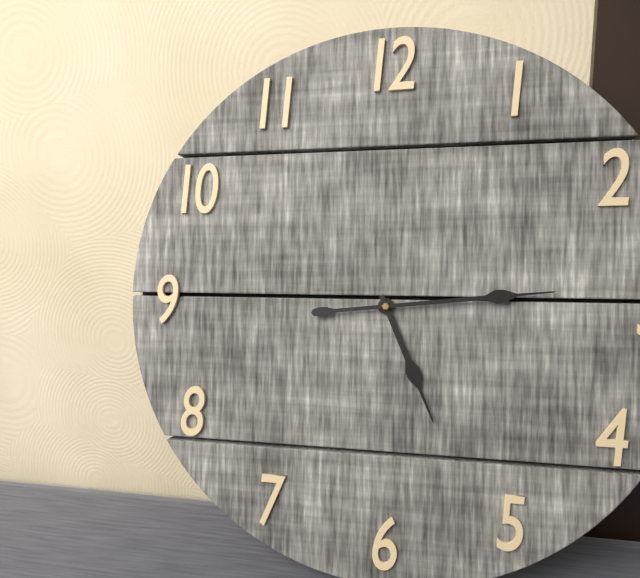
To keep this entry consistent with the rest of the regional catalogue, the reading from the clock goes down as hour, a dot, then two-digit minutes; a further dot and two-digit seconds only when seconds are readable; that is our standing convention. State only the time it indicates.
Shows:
5.14
